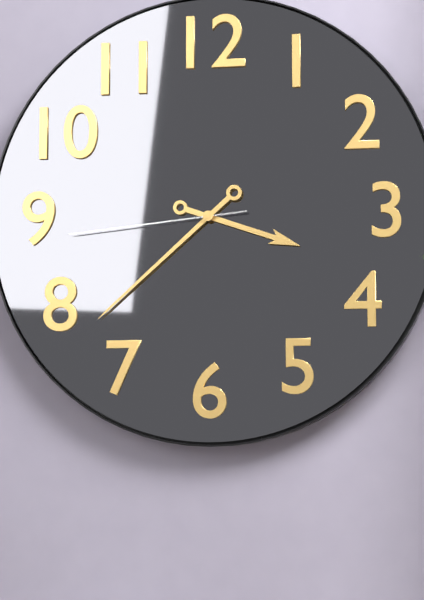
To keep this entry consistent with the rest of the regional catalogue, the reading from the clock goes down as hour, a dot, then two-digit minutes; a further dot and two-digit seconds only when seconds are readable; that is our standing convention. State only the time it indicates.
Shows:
3.38.44
